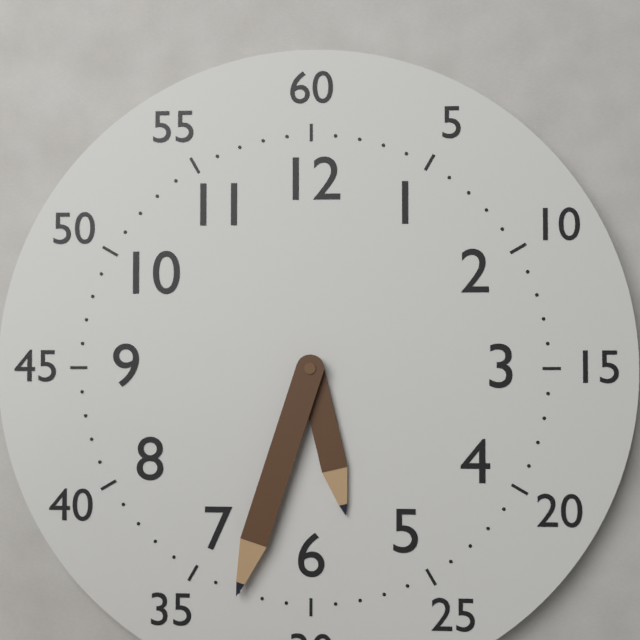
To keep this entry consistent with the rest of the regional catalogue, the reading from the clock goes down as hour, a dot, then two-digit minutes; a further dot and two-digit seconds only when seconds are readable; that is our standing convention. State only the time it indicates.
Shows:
5.33
